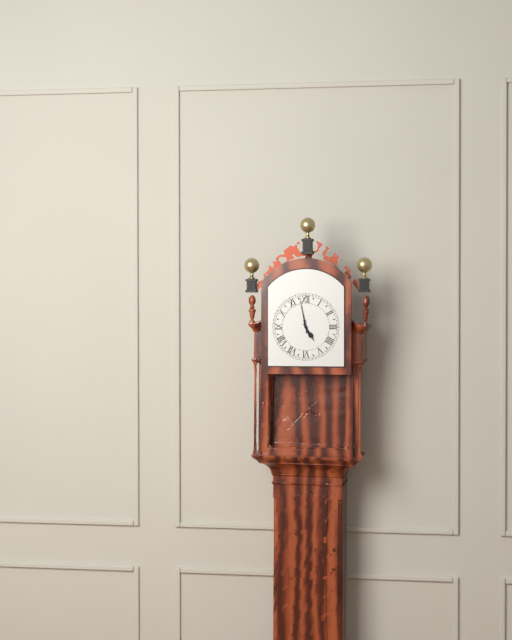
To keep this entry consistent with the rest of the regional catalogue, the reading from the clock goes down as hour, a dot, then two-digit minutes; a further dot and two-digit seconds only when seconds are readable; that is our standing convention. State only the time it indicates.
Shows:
4.58
